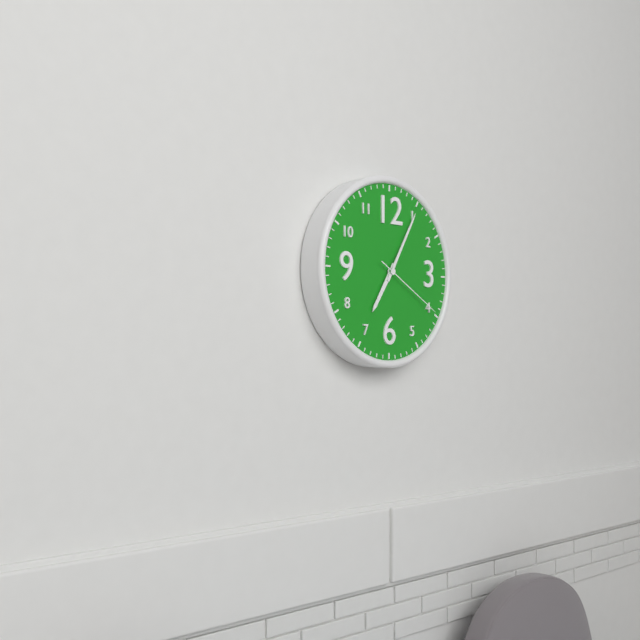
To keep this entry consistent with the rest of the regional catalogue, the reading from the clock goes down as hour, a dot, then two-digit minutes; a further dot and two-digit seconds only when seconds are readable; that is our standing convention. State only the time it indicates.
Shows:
7.05.20
